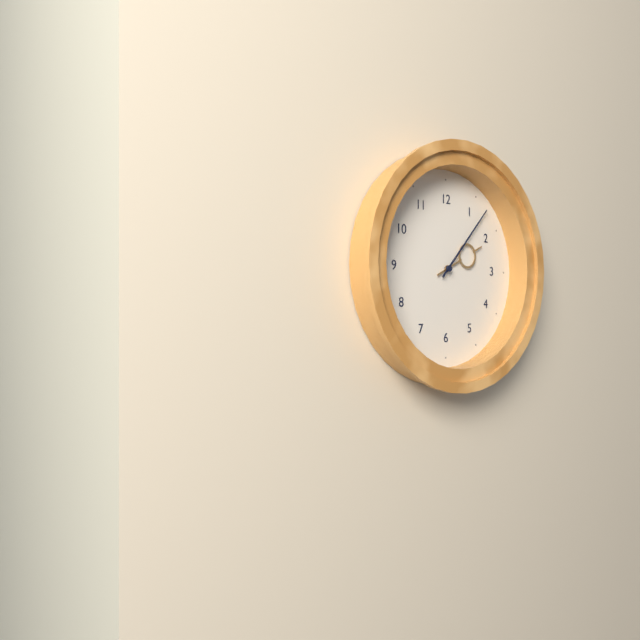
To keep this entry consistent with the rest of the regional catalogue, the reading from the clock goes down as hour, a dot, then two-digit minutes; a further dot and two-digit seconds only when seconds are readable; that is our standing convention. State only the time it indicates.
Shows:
2.07
